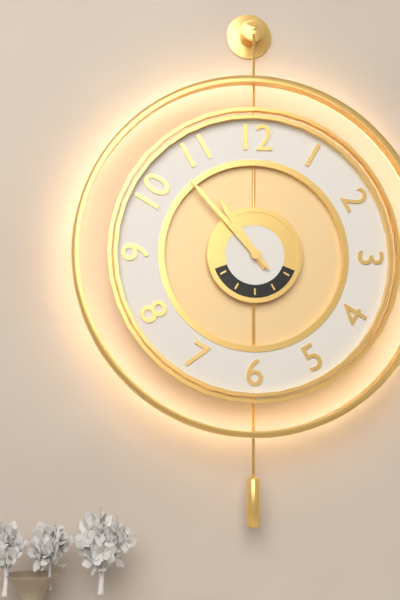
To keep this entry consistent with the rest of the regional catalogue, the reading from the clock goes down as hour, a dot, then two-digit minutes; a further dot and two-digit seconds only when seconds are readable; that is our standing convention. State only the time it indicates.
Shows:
10.53
